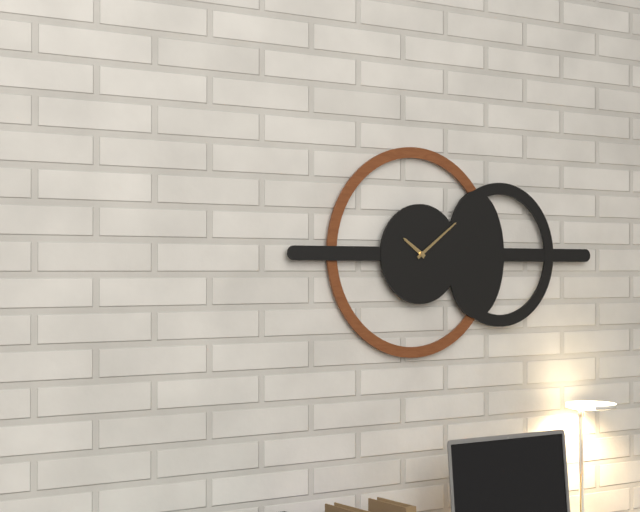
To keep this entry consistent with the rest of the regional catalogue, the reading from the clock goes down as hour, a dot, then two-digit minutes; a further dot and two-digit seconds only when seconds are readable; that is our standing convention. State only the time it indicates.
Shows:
10.09
